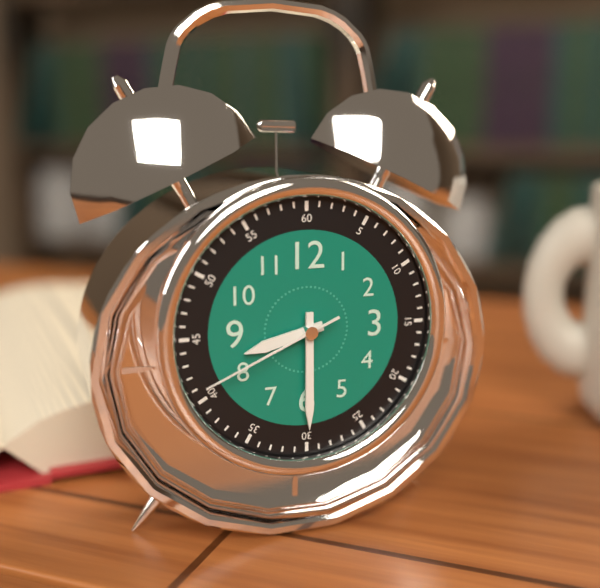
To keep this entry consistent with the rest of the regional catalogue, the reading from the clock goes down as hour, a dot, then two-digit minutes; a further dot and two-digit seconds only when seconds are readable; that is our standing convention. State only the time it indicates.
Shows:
8.30.41
